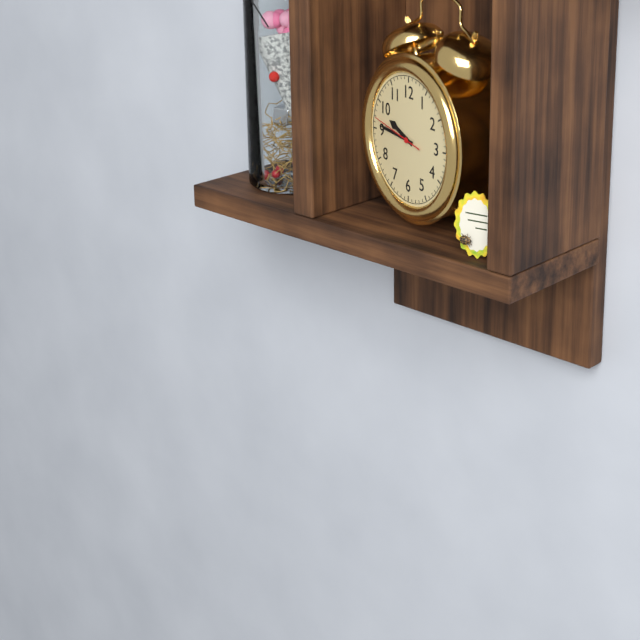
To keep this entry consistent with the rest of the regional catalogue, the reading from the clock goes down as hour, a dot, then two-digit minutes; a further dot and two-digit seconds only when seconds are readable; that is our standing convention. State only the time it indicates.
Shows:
9.46.47
